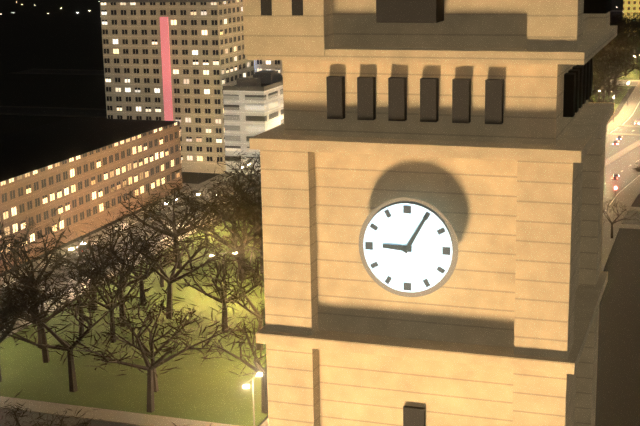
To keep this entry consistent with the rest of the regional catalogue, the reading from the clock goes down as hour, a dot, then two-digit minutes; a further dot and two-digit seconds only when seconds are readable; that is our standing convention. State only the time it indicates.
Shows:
9.05
